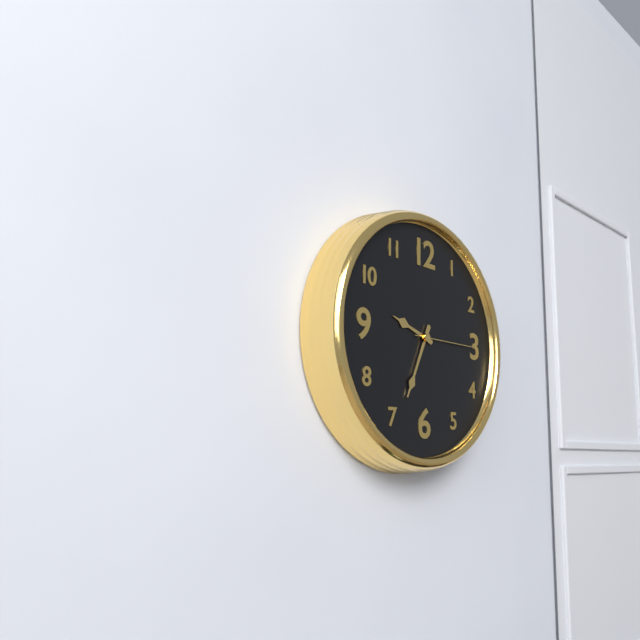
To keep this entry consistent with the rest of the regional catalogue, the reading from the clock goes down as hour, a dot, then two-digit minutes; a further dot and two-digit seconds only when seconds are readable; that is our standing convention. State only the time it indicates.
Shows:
9.34.15
